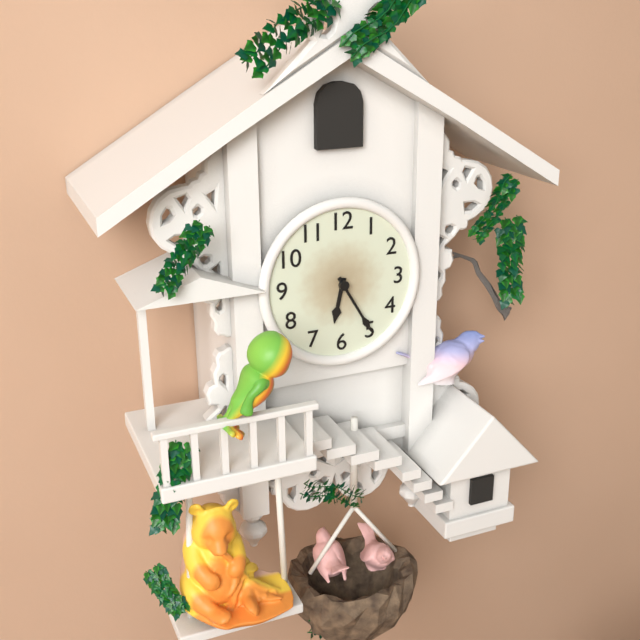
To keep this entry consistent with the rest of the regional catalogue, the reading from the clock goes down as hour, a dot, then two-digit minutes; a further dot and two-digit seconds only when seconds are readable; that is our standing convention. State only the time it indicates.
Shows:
6.25
